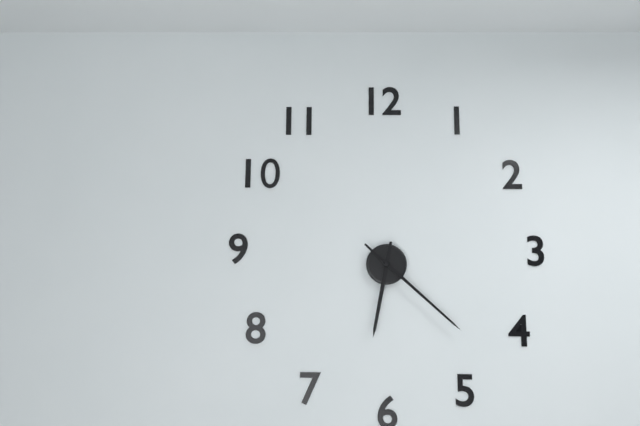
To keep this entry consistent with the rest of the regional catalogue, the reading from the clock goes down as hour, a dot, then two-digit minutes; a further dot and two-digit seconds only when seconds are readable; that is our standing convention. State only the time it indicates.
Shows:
6.22
